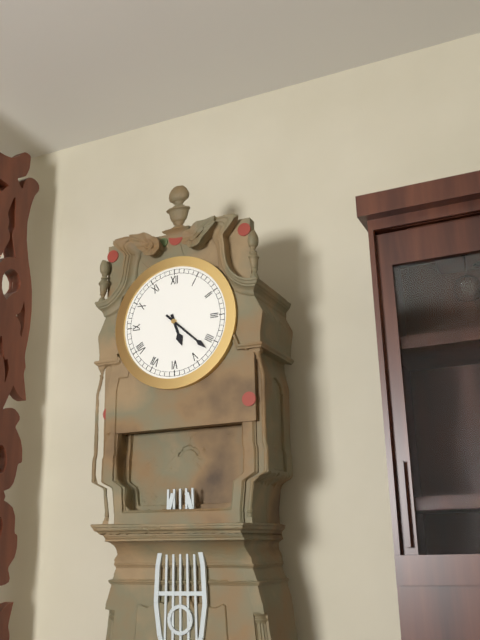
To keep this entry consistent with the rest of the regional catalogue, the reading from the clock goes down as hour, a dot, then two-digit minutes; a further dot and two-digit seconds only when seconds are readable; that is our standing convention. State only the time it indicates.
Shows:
5.22
